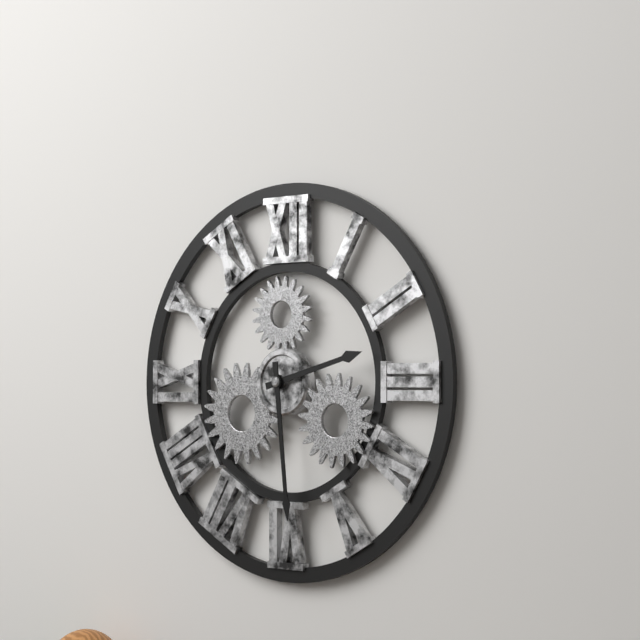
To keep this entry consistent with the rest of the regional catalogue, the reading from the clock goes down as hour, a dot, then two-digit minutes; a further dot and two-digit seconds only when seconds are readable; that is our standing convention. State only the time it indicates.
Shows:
2.29
